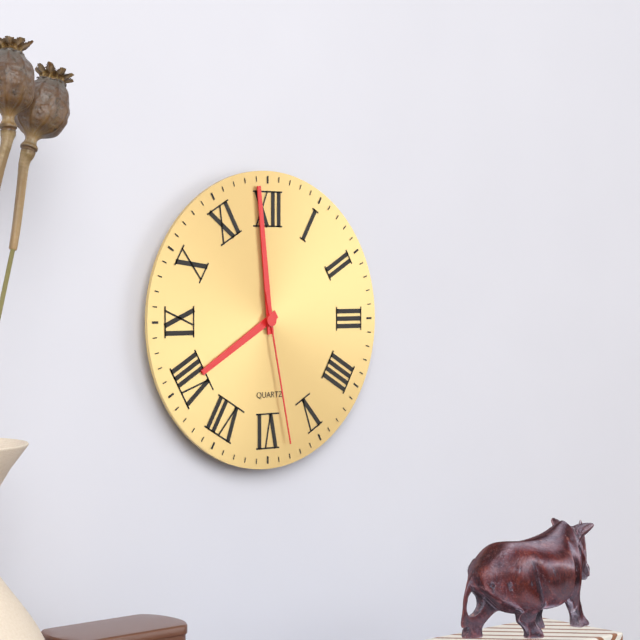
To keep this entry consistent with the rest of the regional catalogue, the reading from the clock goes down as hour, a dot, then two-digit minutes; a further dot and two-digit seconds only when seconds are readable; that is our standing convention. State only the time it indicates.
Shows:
7.59.28
